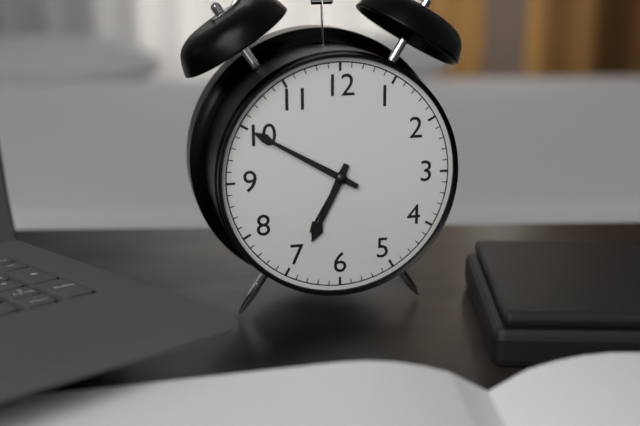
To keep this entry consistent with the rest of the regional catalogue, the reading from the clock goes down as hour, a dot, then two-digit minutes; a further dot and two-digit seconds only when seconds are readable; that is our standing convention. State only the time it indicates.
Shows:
6.50
